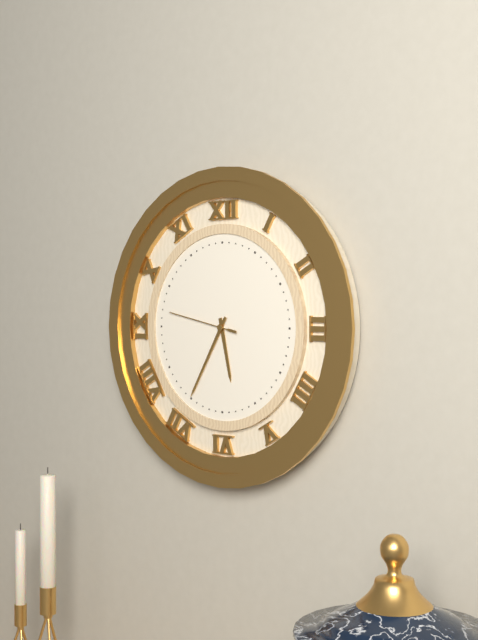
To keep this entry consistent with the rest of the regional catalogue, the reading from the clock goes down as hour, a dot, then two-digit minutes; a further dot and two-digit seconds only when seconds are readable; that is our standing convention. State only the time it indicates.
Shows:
5.35.47
